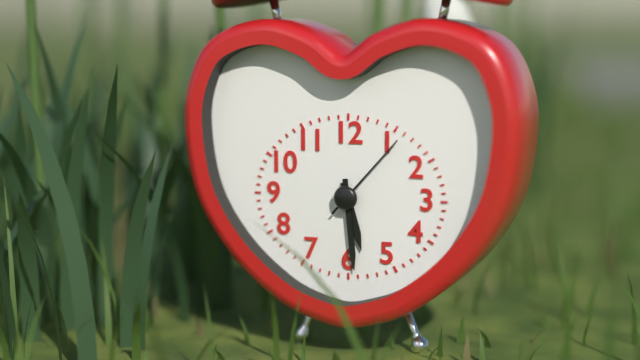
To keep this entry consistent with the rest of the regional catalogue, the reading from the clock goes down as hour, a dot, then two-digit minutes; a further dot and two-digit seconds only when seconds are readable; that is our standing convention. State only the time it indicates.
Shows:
5.29.07
